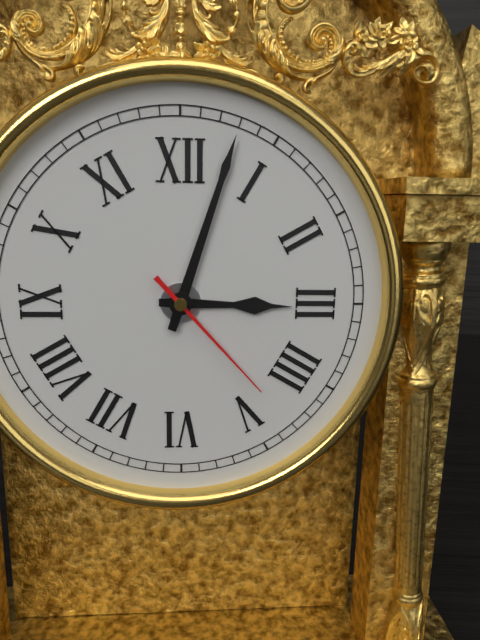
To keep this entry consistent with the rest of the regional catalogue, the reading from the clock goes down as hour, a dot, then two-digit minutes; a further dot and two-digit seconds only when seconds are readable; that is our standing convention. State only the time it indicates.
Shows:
3.03.23
